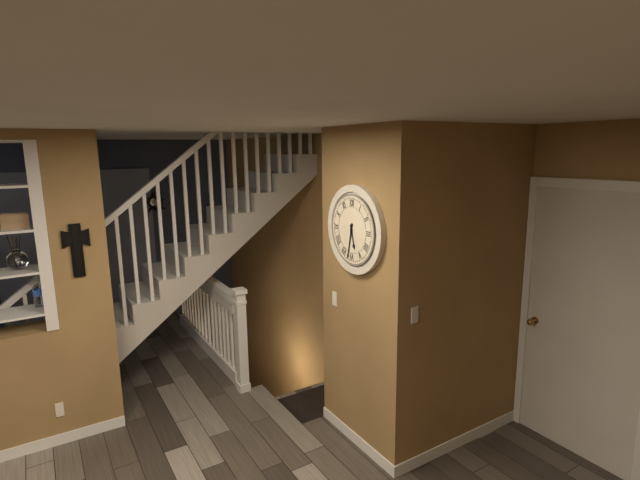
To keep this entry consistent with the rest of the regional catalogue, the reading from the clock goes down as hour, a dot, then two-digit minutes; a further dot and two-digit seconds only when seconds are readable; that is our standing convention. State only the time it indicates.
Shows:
5.32
